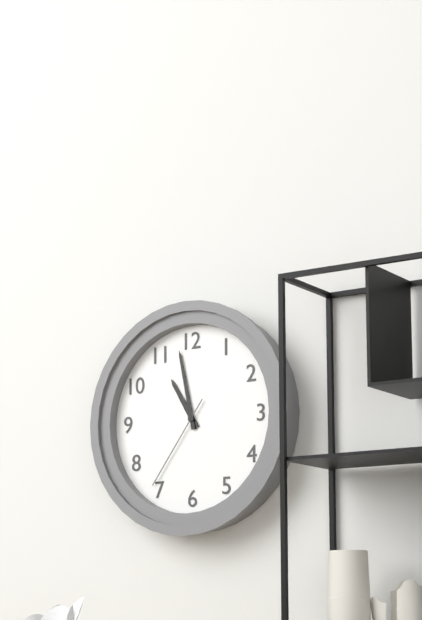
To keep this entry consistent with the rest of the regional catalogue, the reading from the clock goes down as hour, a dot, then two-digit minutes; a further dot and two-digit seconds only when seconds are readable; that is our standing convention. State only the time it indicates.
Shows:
10.58.36
